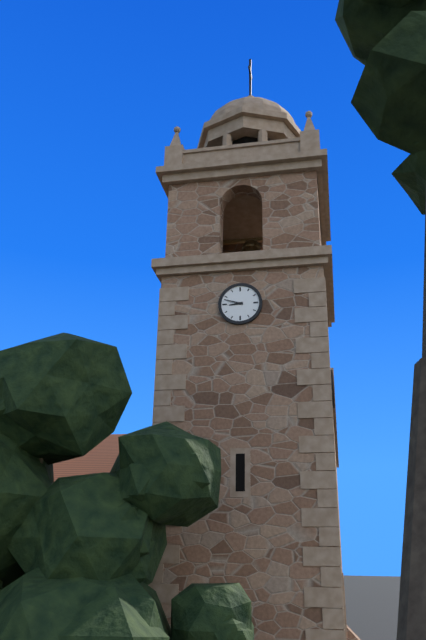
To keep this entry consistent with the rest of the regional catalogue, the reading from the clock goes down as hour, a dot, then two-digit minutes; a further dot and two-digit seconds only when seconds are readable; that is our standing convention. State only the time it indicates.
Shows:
8.48
